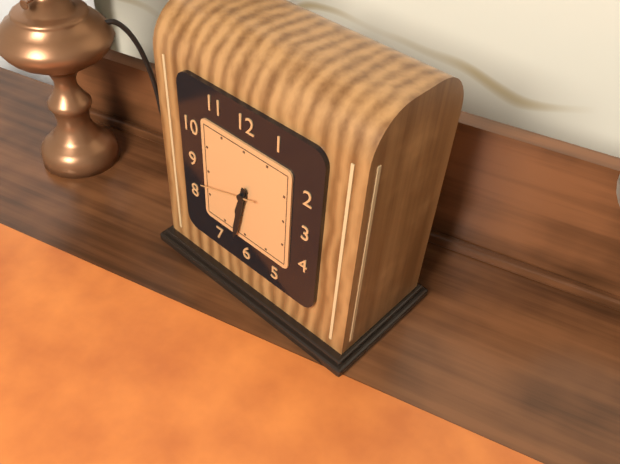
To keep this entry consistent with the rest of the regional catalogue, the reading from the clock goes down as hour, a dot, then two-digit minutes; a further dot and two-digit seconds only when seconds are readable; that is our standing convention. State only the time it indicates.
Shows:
6.32.42
